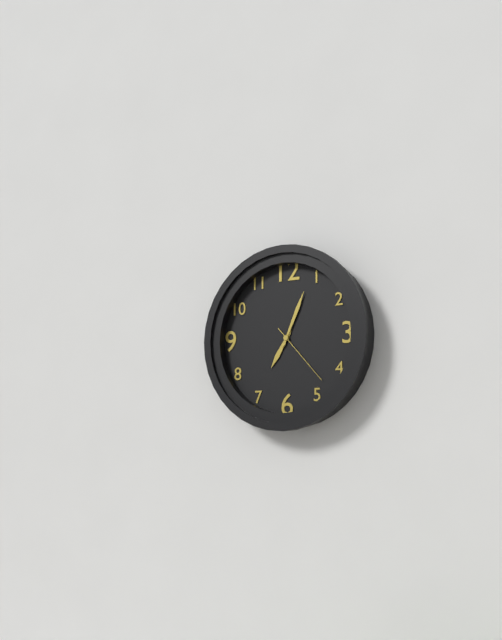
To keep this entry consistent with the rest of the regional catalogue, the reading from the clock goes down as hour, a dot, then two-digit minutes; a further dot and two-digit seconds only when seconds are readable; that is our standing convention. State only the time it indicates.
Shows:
7.04.23
